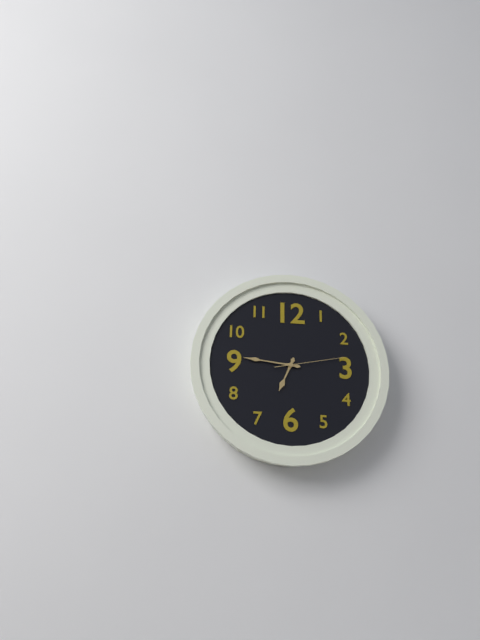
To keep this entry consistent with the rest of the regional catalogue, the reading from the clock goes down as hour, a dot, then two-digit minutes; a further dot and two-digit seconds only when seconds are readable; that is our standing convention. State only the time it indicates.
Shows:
6.46.13
